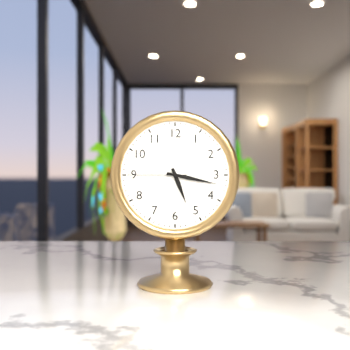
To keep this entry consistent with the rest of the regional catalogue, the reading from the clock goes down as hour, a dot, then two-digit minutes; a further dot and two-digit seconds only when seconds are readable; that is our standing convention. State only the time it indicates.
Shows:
5.17.45
